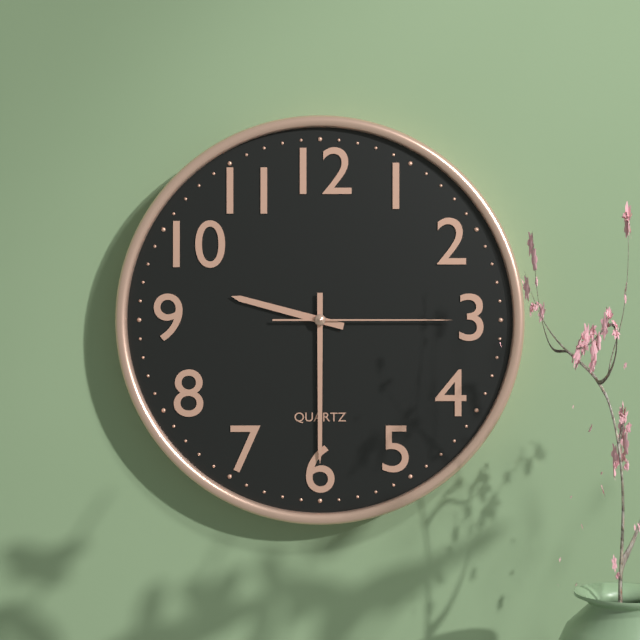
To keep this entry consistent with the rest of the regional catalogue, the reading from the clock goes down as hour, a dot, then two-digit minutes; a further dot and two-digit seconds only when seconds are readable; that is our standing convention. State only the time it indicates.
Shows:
9.30.15
